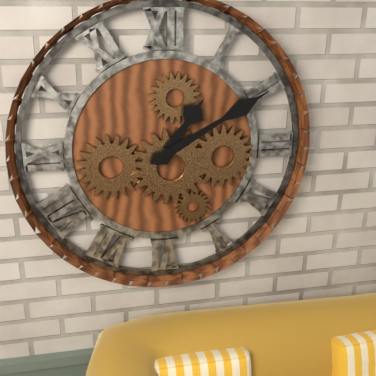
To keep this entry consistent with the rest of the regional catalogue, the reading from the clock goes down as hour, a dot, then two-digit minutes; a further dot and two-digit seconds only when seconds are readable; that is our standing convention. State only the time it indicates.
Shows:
1.10
